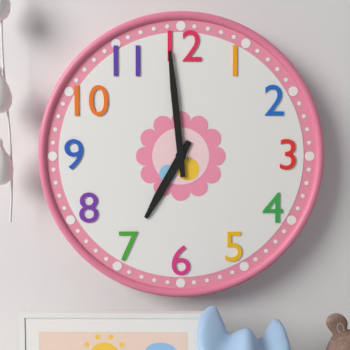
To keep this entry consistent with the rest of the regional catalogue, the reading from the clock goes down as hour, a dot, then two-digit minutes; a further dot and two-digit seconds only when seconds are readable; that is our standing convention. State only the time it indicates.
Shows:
6.59
